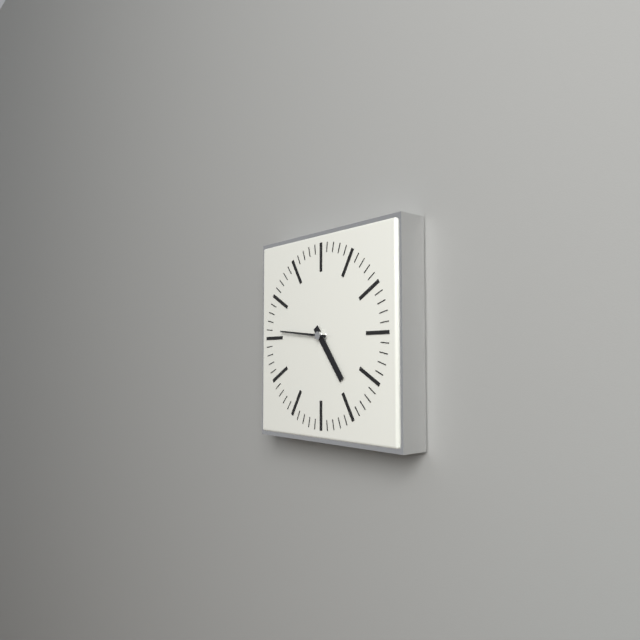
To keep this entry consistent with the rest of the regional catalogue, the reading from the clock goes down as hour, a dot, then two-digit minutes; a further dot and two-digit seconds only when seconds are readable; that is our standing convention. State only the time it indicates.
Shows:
4.46
